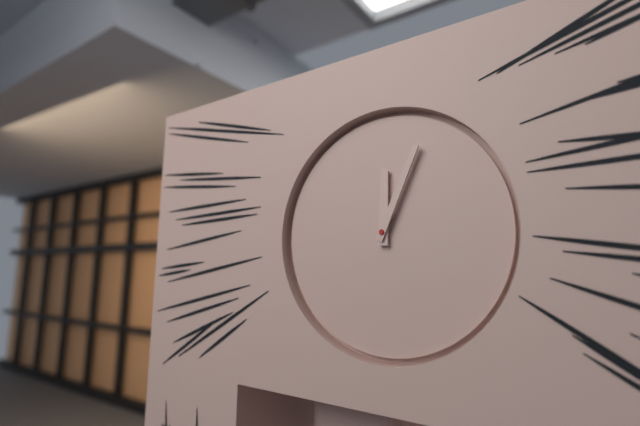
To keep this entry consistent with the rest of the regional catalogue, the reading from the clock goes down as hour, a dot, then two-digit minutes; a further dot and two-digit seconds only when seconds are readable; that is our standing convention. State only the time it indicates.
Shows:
12.04
